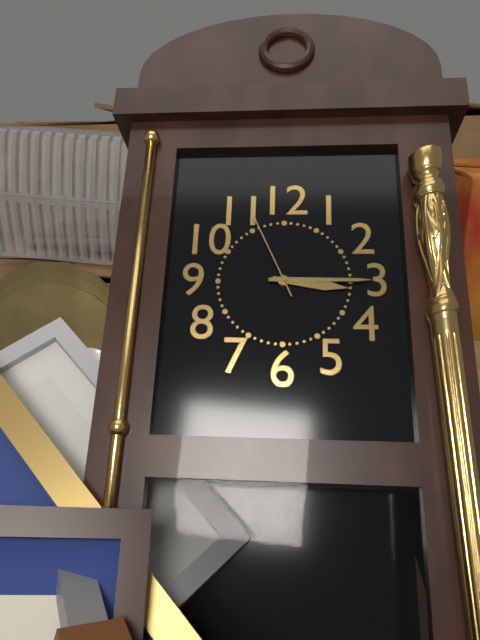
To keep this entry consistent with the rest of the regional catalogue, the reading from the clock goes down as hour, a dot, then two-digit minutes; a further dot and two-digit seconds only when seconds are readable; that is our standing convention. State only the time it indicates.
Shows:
3.15.56
